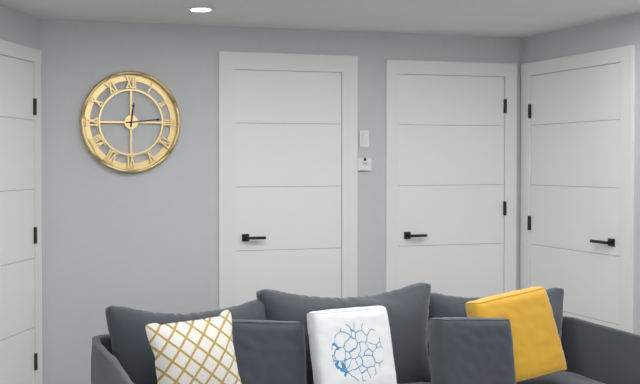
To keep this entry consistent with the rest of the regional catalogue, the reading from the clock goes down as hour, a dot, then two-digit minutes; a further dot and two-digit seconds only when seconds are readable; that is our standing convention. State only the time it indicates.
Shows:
12.14
